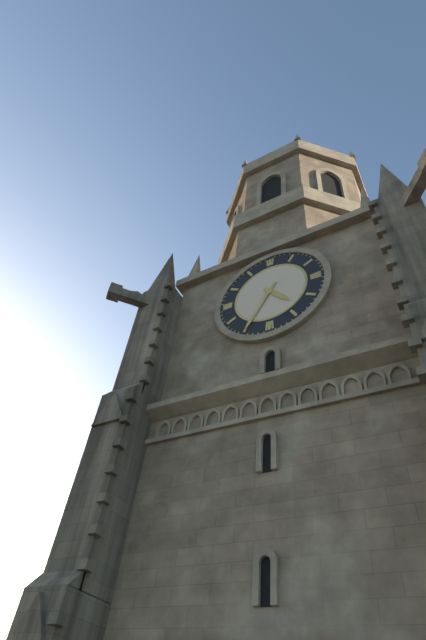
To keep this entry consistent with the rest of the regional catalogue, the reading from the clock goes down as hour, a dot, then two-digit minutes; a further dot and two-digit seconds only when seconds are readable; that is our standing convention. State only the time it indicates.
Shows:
4.35
